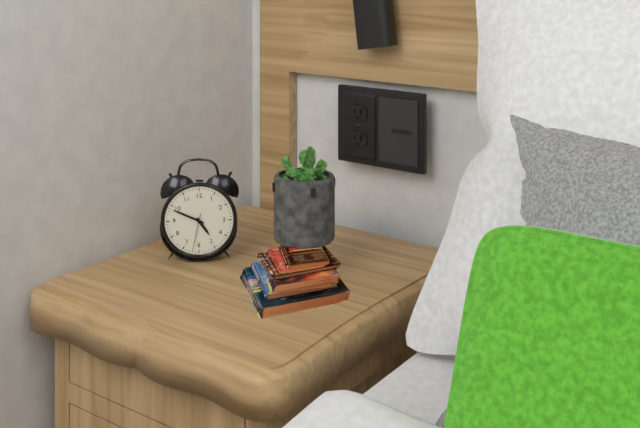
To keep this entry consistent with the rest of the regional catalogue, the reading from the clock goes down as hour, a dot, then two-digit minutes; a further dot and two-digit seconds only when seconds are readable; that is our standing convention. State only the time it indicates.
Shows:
4.49
